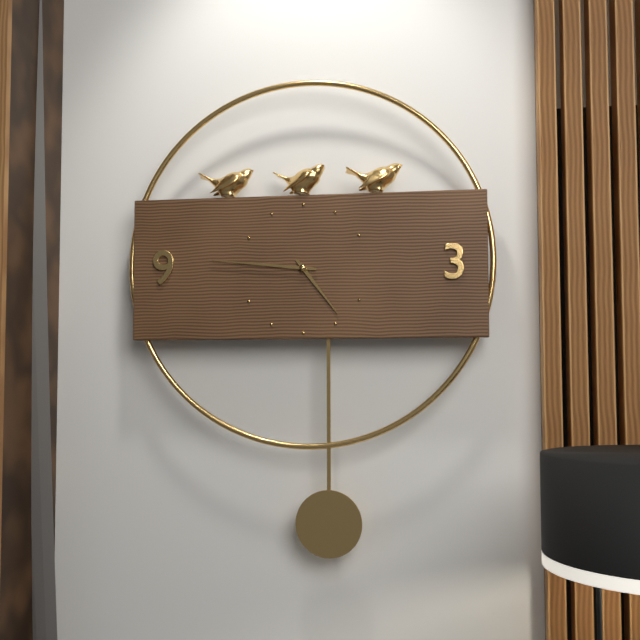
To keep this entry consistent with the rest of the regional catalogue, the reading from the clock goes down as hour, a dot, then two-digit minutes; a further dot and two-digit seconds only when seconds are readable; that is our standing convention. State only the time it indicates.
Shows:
4.46
